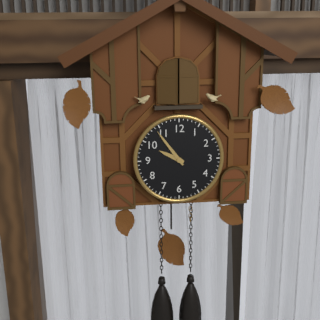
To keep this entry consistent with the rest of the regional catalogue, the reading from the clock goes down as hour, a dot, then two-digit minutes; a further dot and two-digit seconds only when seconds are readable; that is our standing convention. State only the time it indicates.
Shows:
9.54
